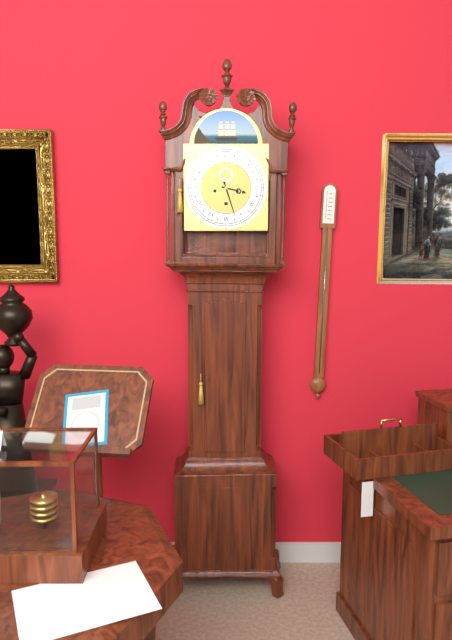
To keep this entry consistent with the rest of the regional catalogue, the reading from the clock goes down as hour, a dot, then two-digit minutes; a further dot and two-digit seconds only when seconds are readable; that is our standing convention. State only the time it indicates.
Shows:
3.27
